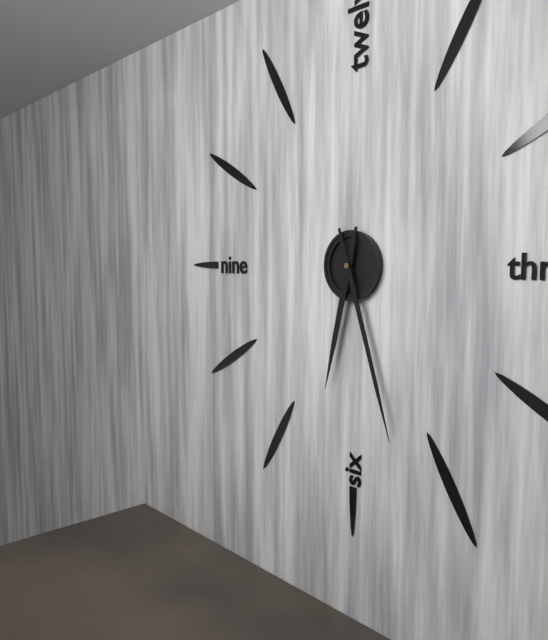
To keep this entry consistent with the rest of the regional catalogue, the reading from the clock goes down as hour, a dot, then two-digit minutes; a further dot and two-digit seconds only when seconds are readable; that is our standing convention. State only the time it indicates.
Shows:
6.27
